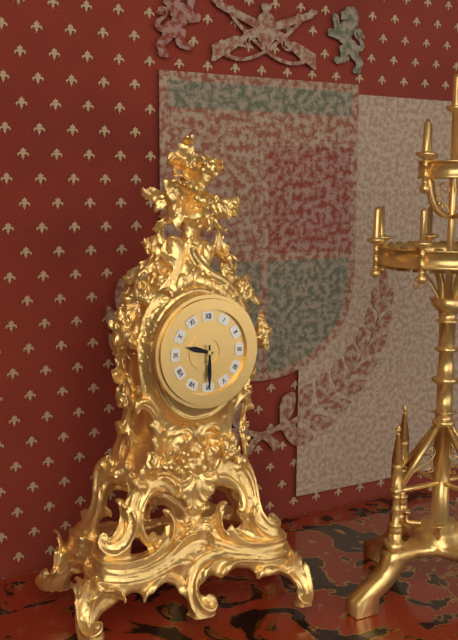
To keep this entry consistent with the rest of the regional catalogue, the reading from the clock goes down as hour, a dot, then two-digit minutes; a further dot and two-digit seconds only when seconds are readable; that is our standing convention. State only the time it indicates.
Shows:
9.30
